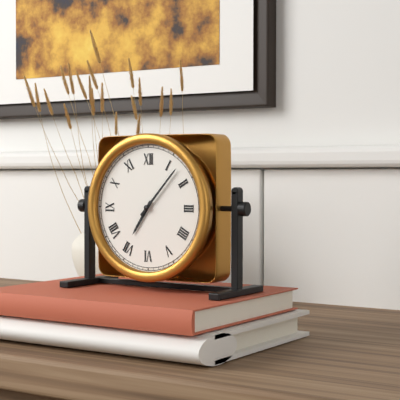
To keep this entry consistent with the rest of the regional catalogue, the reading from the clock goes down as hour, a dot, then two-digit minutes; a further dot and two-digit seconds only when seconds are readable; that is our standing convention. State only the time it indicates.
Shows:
7.07
